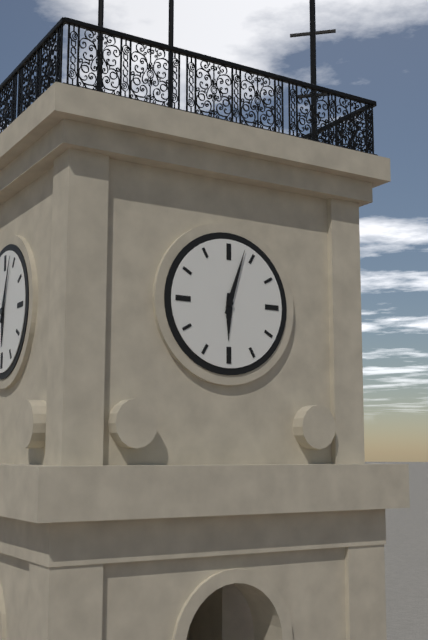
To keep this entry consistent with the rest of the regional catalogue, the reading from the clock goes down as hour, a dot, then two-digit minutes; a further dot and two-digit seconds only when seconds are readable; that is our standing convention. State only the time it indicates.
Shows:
6.03
